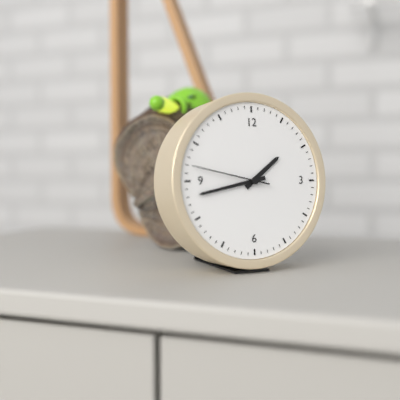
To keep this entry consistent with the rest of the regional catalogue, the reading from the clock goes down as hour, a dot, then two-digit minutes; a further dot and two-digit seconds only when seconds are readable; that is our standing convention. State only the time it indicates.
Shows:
1.43.47
